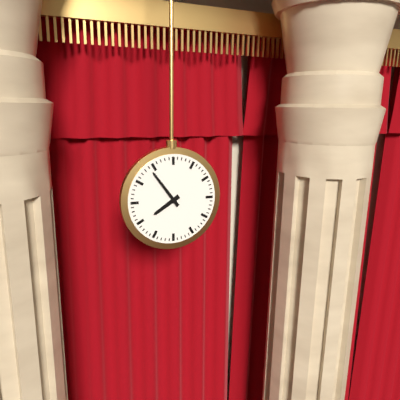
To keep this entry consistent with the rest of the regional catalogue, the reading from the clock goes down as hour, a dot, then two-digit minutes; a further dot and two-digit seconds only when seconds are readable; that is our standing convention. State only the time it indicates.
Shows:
7.54
